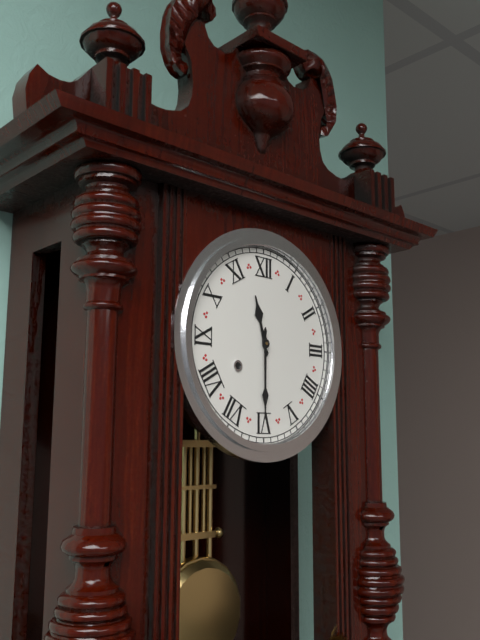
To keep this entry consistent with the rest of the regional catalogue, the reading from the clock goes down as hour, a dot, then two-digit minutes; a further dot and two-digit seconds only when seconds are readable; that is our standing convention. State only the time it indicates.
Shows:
11.30
